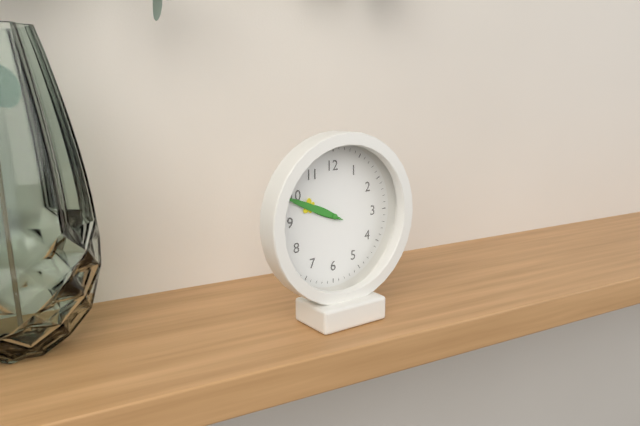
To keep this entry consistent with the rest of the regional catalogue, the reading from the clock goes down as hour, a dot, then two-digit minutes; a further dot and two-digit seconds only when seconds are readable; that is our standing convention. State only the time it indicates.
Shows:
9.49
